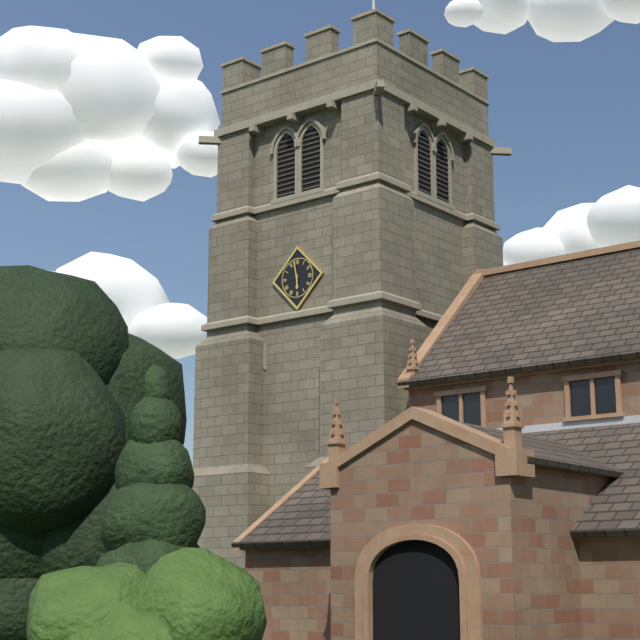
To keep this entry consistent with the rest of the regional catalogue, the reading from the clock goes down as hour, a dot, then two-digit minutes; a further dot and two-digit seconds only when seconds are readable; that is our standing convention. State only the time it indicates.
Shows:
5.58
